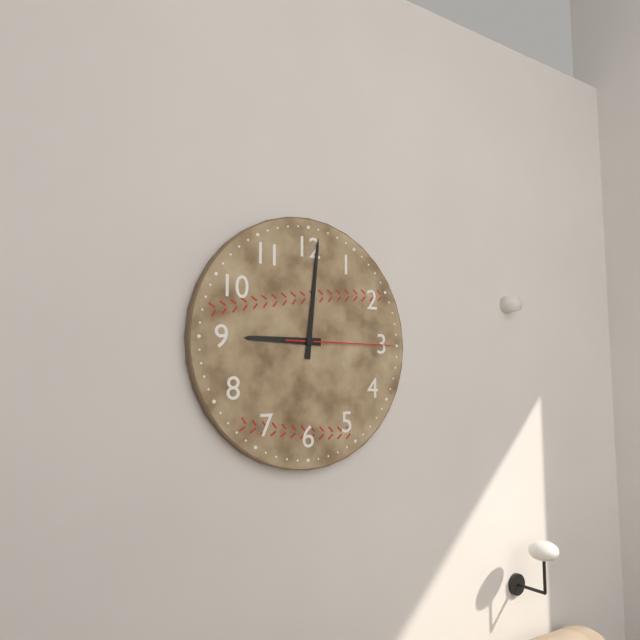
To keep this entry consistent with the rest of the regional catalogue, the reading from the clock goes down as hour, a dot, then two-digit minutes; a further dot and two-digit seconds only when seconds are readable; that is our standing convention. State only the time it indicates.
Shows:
9.01.15
